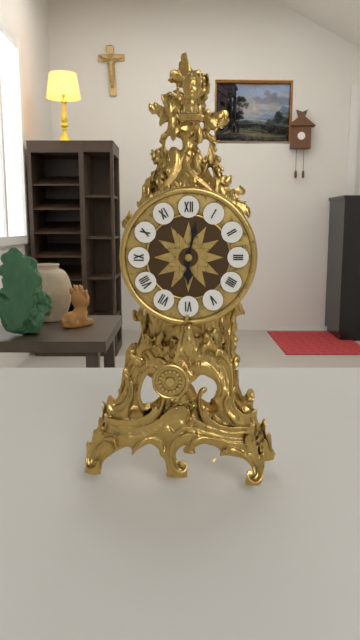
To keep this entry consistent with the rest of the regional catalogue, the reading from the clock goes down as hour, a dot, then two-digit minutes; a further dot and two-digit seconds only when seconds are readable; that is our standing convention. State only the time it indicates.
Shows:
6.02
